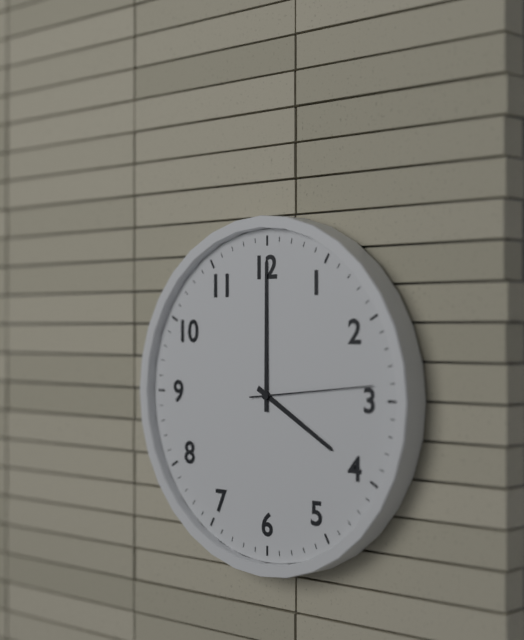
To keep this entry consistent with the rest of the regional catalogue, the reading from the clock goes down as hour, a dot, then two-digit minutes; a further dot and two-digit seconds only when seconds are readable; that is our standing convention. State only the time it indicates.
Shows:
4.00.14
